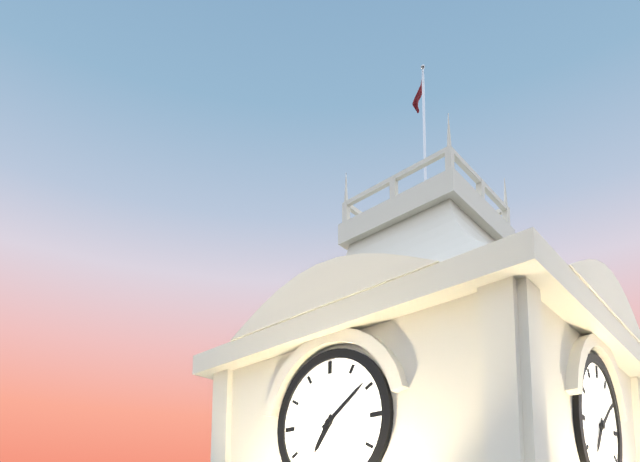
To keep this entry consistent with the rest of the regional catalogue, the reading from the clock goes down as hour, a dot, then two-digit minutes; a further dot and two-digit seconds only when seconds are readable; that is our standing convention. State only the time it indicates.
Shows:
7.09
